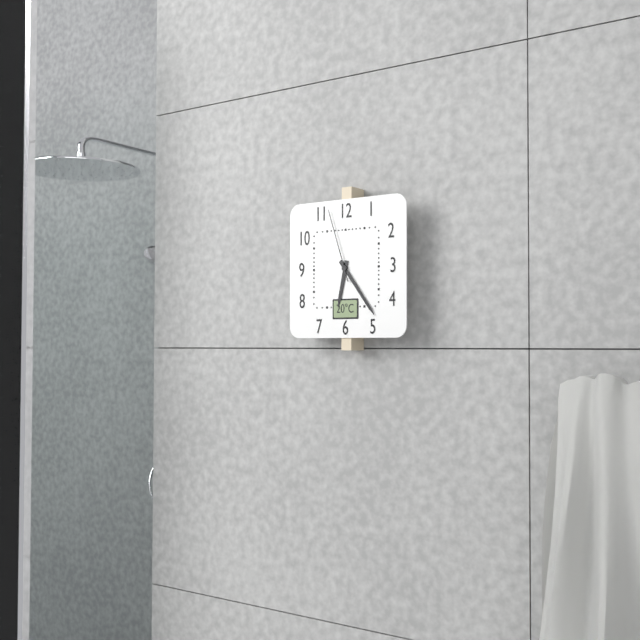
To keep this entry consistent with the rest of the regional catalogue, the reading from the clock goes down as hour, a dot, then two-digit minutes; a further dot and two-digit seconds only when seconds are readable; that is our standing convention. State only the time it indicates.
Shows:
6.24.57
